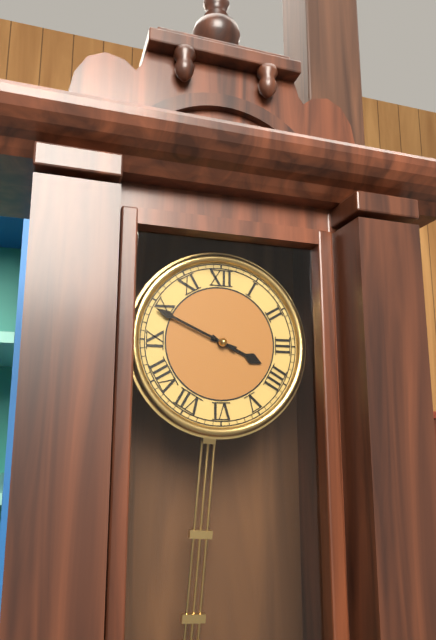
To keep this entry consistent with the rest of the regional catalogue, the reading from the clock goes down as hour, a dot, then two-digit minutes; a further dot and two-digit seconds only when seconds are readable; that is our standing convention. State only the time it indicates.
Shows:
3.49
